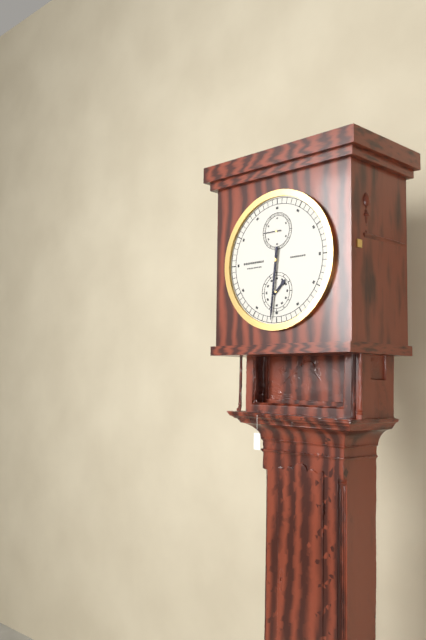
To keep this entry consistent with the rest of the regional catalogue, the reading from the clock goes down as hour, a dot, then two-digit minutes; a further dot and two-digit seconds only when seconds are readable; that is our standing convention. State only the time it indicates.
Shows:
1.31
